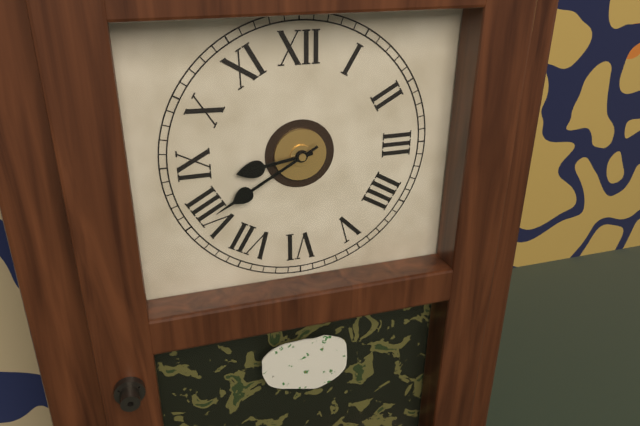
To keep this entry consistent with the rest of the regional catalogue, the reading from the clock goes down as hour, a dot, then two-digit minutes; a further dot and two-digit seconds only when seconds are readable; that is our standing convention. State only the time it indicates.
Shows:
8.40
